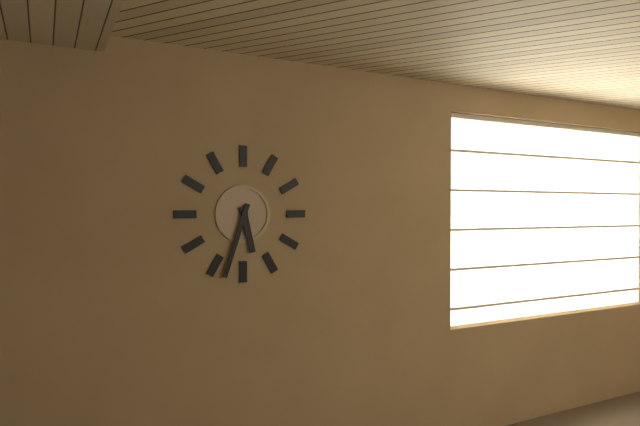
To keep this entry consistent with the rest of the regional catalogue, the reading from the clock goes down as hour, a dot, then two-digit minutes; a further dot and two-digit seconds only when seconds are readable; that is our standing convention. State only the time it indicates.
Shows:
5.33
